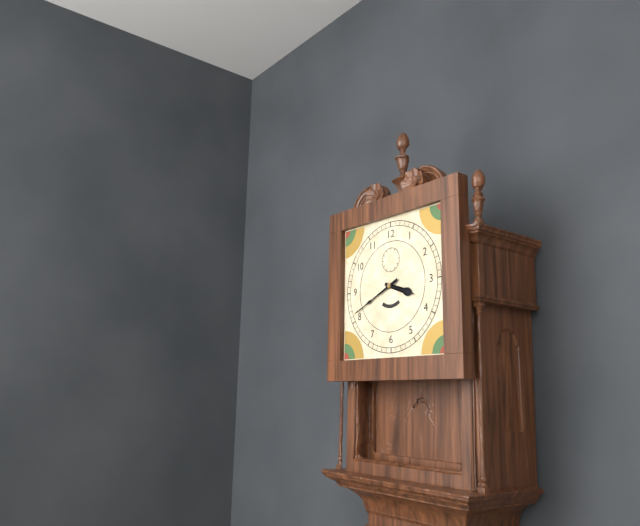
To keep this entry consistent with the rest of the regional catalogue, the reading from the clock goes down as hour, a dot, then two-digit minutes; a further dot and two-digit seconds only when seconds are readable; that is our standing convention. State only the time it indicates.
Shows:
3.41
